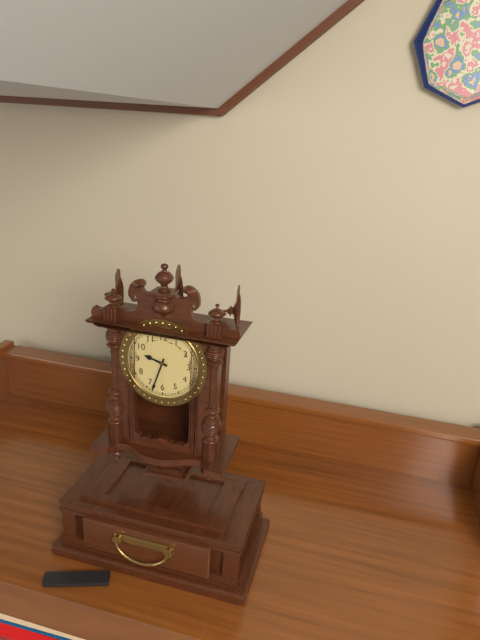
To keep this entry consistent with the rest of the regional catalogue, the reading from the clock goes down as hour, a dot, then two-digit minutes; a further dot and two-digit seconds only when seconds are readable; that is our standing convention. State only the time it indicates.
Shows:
9.33
